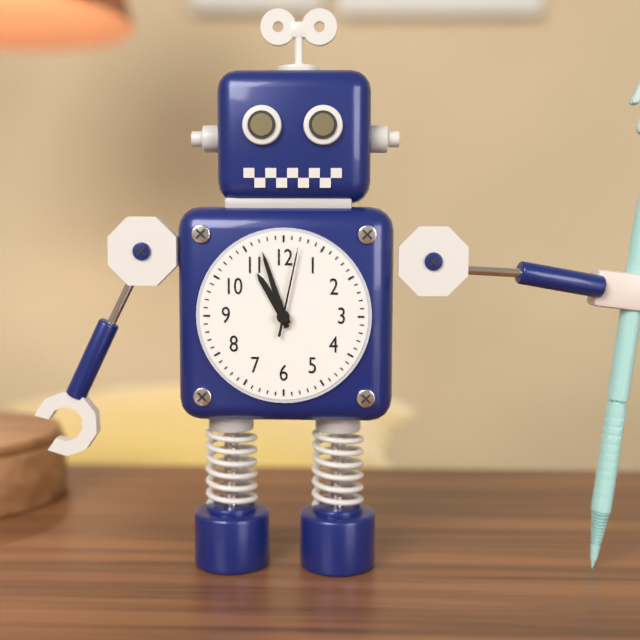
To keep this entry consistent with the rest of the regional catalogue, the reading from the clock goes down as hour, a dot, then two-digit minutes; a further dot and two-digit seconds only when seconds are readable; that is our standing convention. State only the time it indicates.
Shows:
10.57.02
